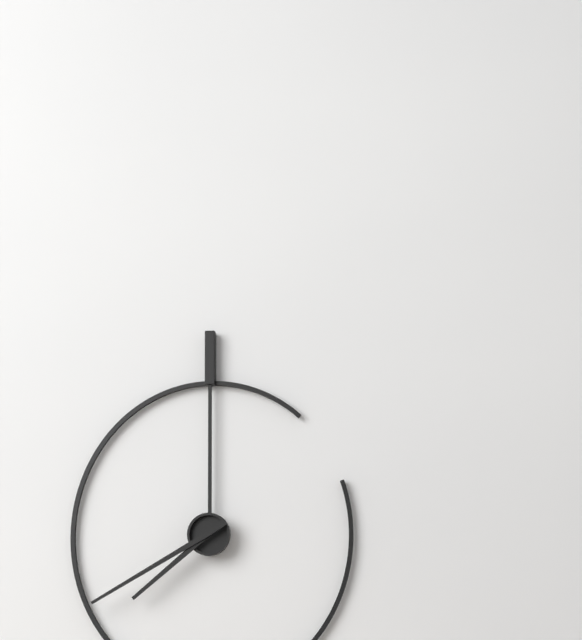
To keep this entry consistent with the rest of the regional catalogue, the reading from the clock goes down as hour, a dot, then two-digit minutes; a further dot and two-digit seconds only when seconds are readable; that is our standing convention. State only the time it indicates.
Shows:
7.40
